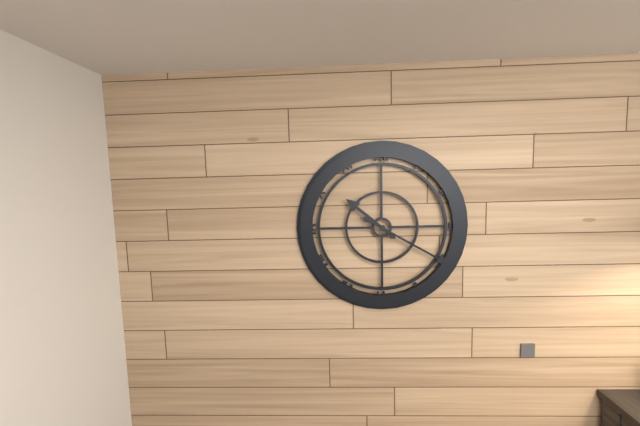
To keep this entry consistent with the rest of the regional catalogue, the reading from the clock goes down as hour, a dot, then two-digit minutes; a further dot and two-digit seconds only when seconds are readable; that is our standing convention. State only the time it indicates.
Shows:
10.20
